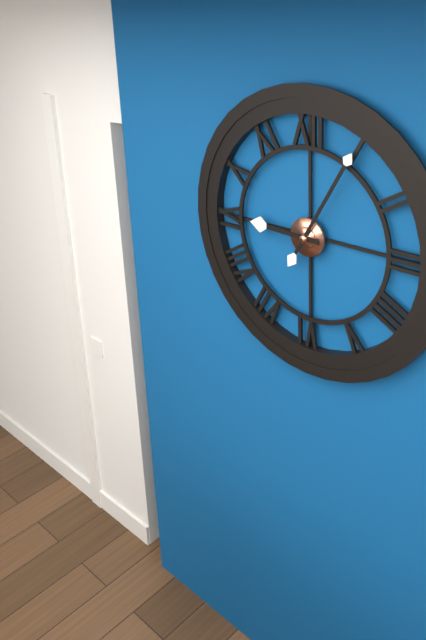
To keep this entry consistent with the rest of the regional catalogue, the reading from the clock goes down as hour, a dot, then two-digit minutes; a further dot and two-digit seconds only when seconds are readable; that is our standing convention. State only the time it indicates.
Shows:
9.05
